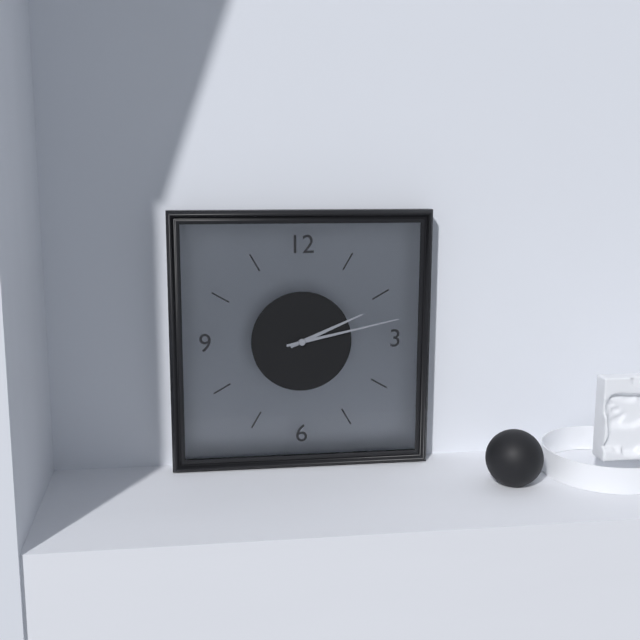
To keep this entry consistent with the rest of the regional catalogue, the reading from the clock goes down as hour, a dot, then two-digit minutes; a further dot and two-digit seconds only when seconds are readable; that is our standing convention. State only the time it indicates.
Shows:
2.13
